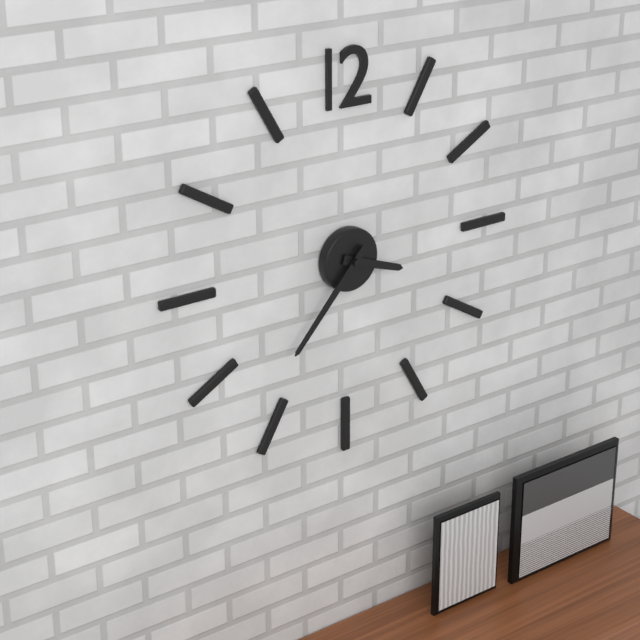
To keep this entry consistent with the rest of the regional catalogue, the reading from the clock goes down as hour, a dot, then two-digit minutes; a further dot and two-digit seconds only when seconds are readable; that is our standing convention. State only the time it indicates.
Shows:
3.37
